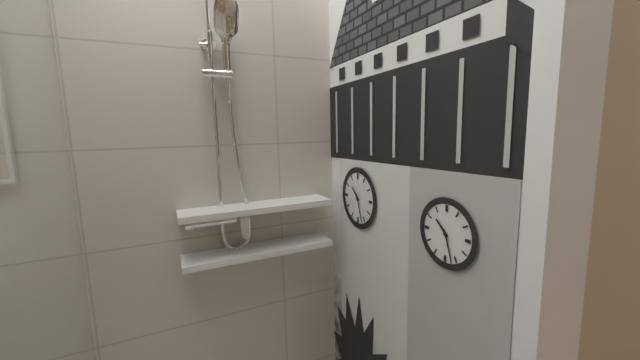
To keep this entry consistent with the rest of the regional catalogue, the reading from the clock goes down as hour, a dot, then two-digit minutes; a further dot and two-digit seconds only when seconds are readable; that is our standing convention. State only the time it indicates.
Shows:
10.27
